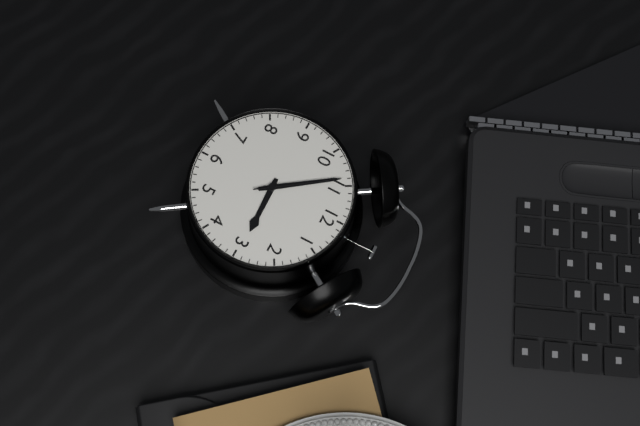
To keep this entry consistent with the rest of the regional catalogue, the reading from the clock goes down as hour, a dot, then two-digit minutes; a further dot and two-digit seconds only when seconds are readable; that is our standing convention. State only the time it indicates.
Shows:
2.54.54
